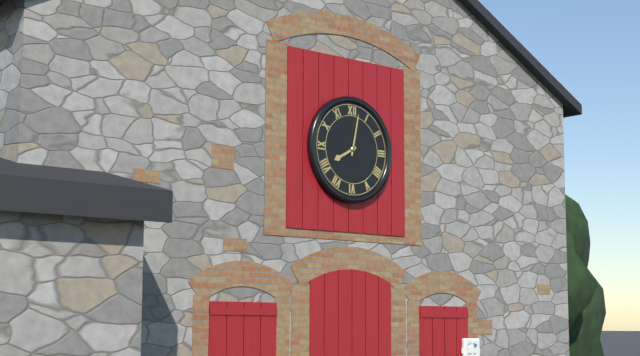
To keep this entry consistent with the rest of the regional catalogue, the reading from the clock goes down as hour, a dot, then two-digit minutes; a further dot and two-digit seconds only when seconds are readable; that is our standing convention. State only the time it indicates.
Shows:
8.02
